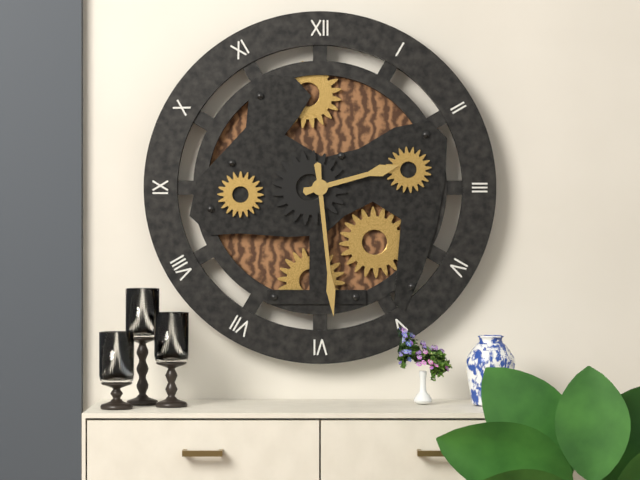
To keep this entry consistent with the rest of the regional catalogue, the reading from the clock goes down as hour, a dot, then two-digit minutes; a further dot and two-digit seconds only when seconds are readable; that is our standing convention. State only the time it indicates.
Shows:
2.29
